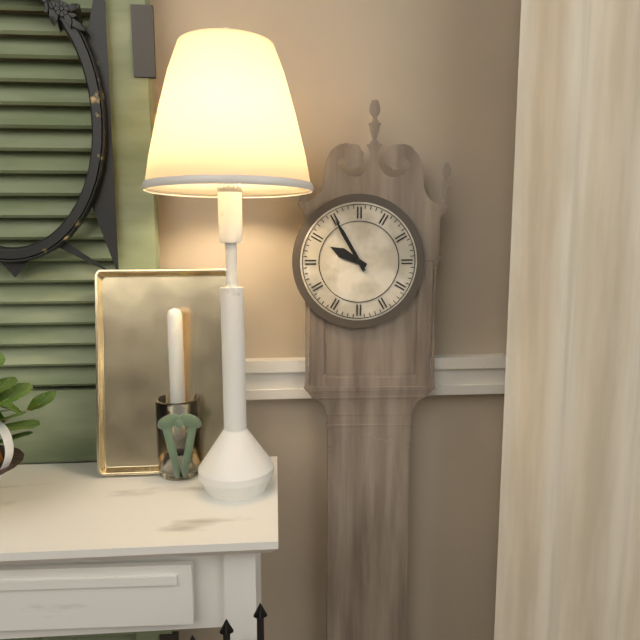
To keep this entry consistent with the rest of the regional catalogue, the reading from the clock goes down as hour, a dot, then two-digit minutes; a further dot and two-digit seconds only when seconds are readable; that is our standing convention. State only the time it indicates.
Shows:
9.55
